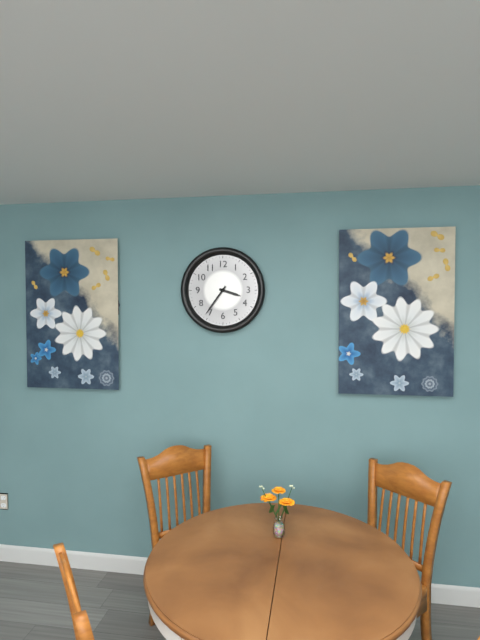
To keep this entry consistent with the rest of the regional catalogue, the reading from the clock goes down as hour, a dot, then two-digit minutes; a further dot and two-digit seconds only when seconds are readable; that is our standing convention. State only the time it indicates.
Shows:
3.36
